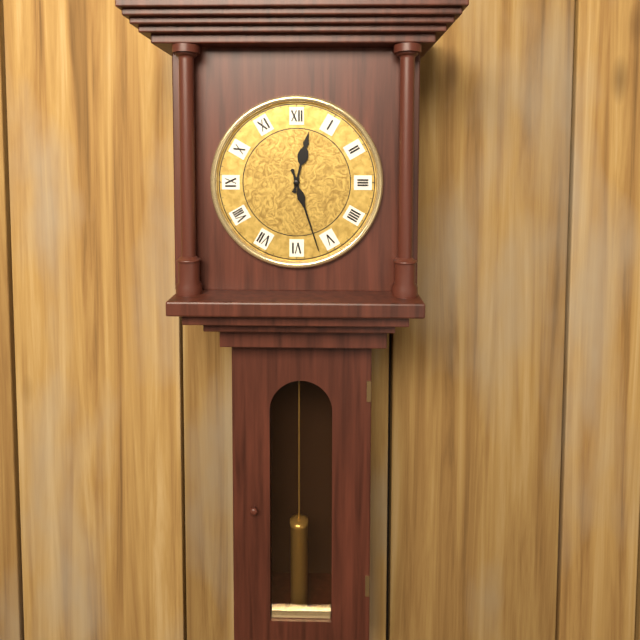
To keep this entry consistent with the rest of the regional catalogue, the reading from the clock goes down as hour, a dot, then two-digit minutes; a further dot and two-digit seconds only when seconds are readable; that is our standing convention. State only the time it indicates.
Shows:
12.27
